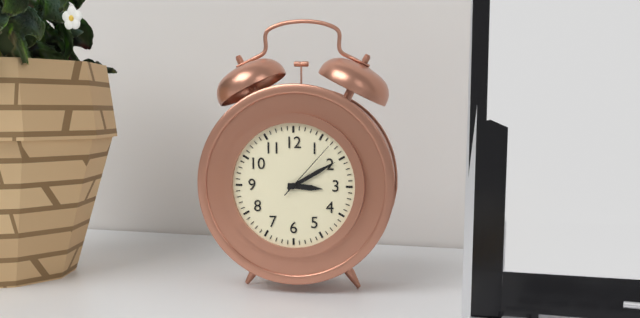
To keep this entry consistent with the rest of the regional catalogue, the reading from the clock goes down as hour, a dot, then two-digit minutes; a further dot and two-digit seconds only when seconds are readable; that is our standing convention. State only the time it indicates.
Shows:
3.10.07
